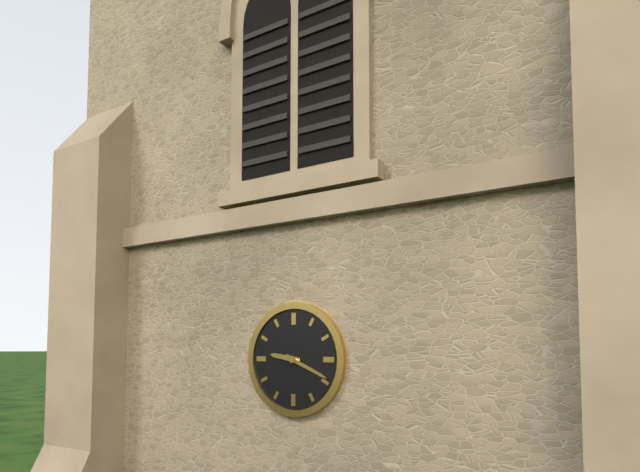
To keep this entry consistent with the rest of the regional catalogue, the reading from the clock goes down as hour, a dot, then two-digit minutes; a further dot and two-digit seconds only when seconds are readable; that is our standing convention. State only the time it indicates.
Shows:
9.19
